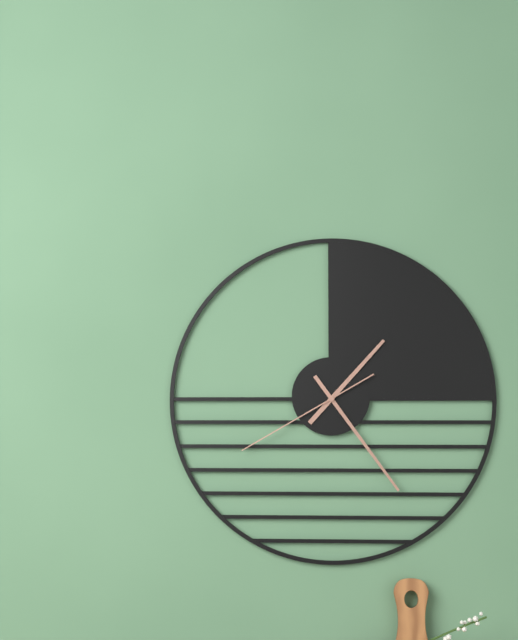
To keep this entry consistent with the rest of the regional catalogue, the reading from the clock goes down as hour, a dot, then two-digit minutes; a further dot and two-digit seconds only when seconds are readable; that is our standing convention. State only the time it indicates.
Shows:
1.24.40
